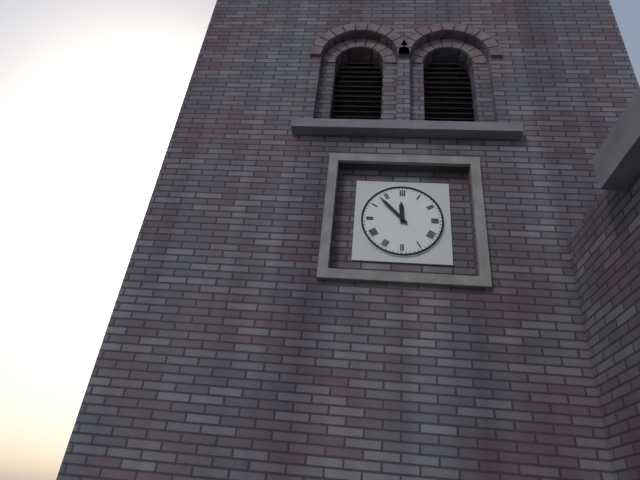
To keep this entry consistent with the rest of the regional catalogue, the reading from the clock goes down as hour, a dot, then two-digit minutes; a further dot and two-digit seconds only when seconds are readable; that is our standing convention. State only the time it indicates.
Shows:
11.53
